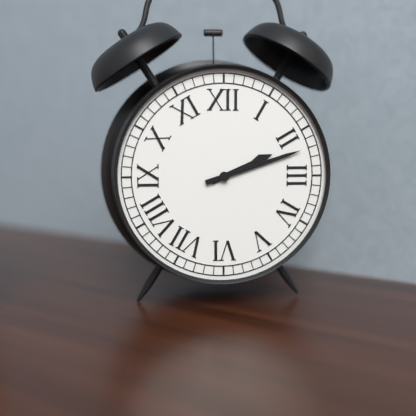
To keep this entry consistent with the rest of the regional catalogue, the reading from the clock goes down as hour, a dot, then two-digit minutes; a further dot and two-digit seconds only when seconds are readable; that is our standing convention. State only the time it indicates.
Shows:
2.12
